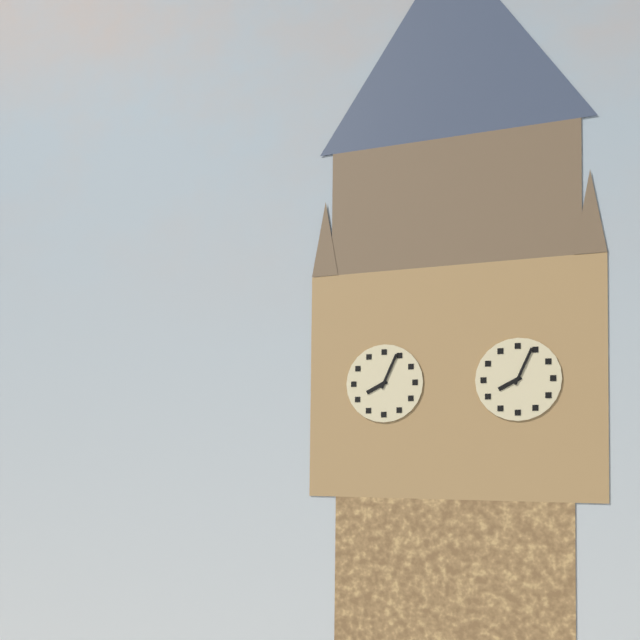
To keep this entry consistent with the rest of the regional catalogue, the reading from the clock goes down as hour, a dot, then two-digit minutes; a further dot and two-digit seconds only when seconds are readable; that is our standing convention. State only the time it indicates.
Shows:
8.04
